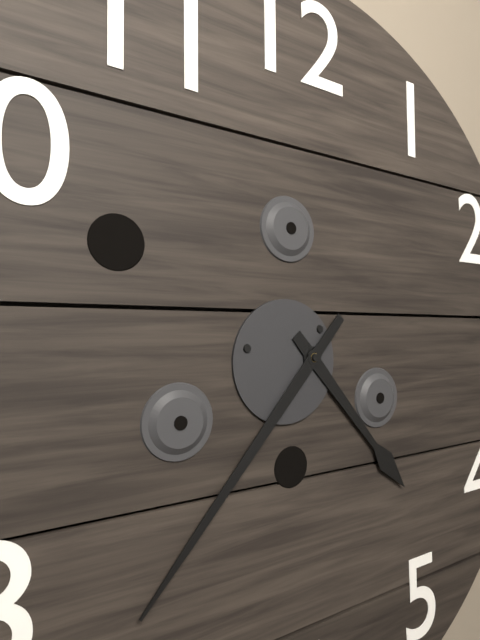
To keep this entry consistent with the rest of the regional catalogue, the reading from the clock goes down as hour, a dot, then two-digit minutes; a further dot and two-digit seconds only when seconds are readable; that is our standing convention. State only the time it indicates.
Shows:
4.37
